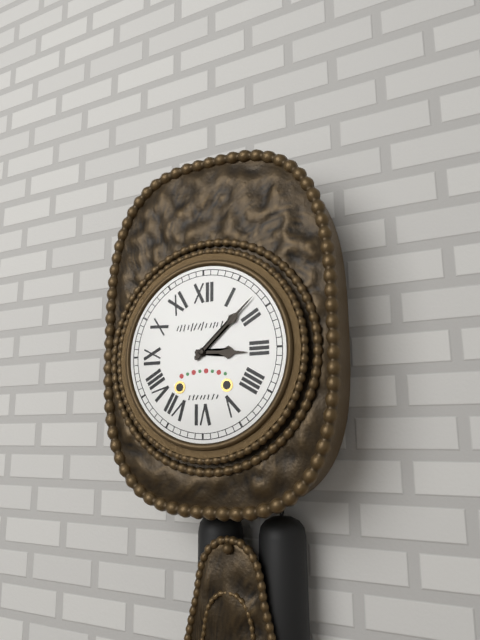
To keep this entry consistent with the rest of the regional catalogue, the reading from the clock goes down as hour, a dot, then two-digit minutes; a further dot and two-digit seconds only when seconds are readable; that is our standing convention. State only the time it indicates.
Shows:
3.08
